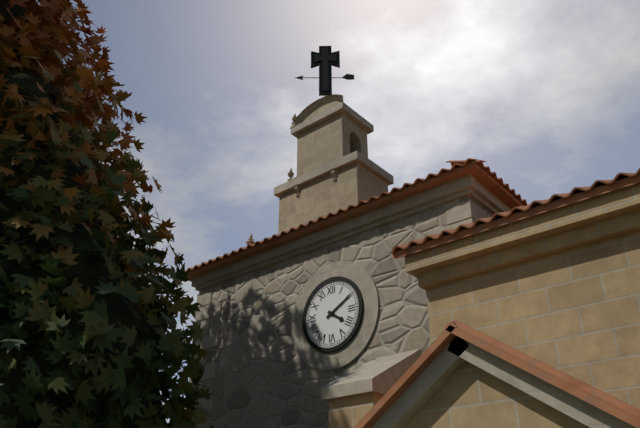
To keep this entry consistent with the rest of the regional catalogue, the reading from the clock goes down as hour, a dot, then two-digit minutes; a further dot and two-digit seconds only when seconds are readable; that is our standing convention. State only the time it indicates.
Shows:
4.10
